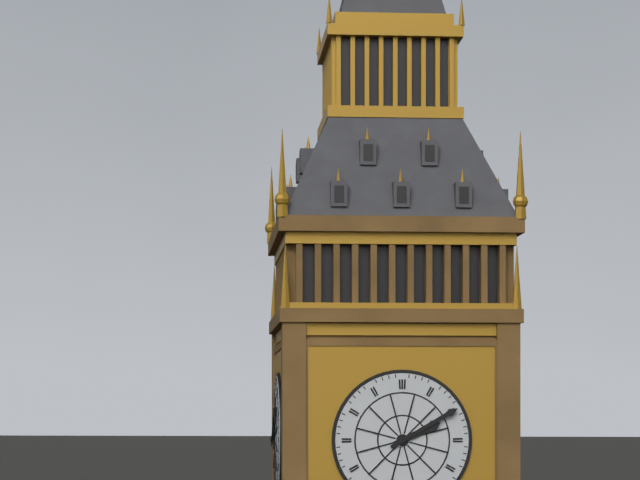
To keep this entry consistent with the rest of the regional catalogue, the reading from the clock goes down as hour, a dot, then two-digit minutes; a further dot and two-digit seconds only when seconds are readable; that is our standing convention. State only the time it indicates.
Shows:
2.10
